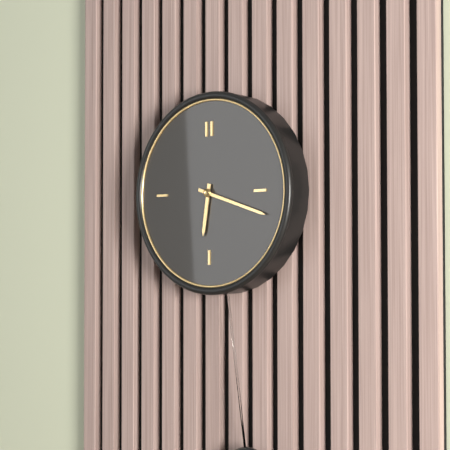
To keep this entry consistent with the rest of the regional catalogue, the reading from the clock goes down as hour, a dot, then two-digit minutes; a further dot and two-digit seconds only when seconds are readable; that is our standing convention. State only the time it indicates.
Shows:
6.18
